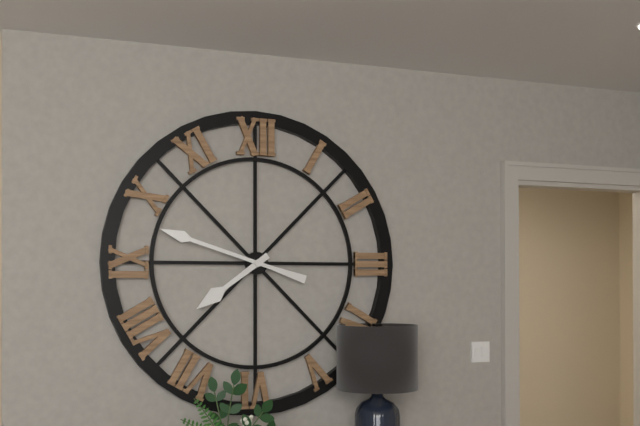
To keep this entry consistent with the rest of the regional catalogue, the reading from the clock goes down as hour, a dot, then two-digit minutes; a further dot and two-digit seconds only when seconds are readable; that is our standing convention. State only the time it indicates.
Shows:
7.48
